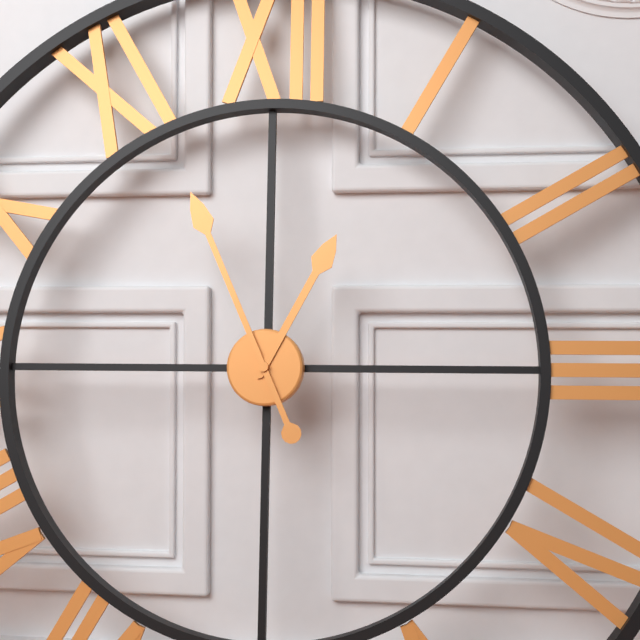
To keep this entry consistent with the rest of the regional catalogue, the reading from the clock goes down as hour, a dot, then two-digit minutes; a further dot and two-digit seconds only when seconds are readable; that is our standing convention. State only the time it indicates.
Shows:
12.56
